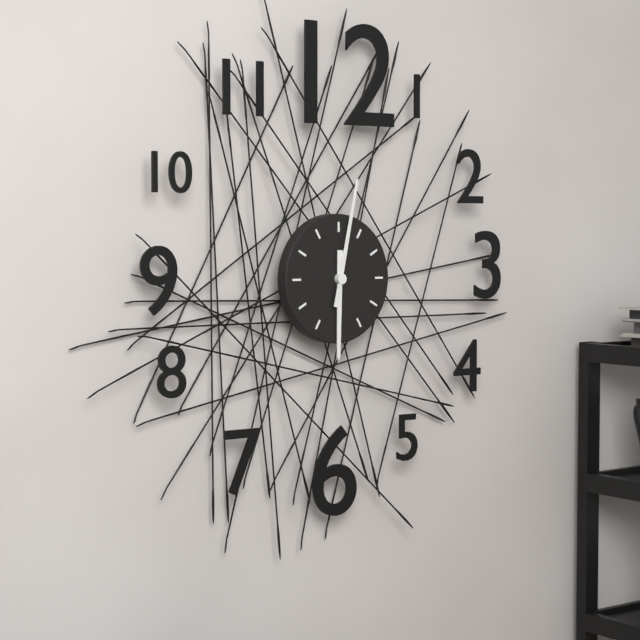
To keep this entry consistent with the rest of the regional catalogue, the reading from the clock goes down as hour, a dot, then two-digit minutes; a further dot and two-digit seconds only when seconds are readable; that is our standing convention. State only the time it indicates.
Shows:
6.02.02
